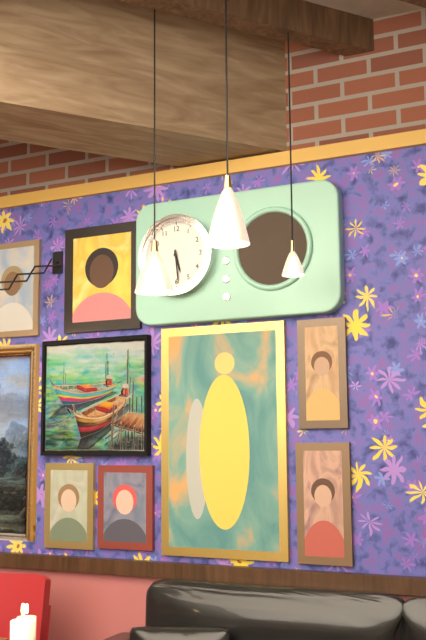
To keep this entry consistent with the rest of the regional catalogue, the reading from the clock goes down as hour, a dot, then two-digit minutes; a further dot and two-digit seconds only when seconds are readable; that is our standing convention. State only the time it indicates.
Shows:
5.29
